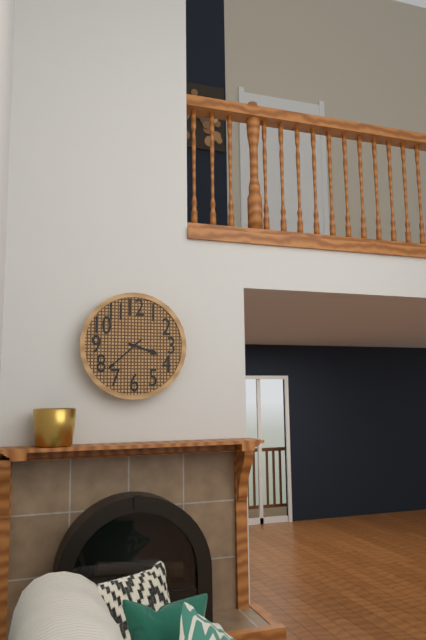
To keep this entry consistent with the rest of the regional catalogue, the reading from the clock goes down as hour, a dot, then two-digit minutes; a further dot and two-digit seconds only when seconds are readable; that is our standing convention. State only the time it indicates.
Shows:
3.38
